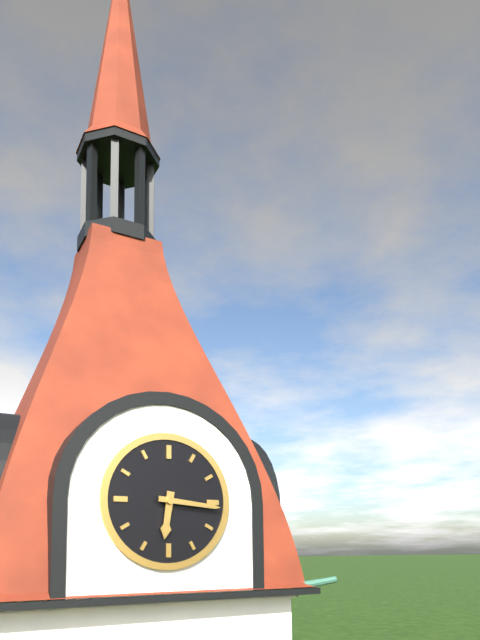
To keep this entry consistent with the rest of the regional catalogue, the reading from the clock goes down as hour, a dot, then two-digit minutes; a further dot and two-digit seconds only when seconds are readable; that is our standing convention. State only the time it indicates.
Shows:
6.16
